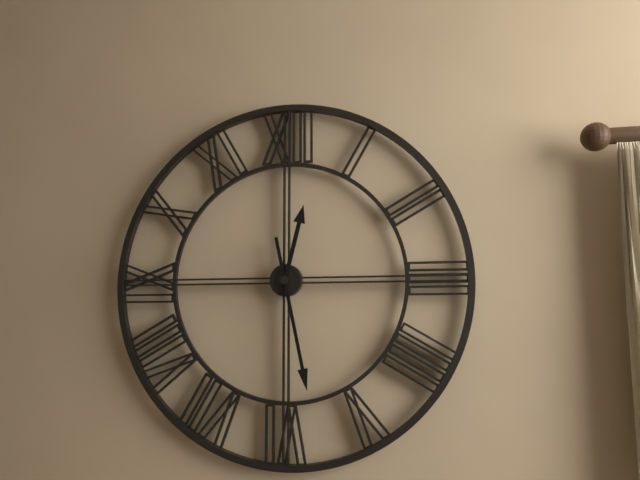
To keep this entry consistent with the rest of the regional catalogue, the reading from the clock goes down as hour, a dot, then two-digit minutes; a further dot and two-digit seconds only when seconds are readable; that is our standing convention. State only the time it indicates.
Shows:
12.28
